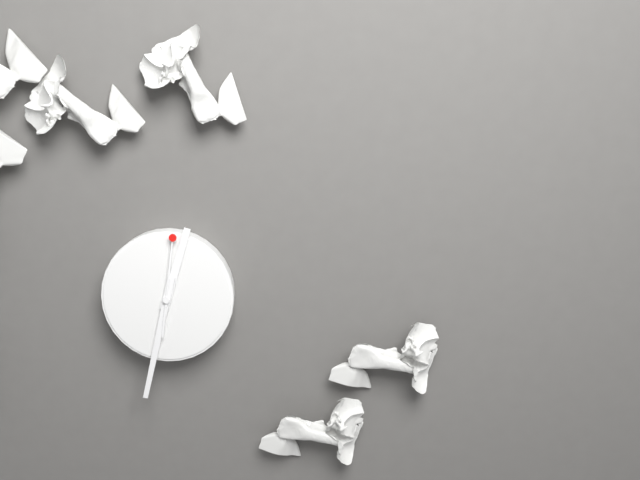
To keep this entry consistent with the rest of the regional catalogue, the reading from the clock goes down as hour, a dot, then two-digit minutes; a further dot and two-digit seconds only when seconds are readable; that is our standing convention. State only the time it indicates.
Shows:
12.32.01
